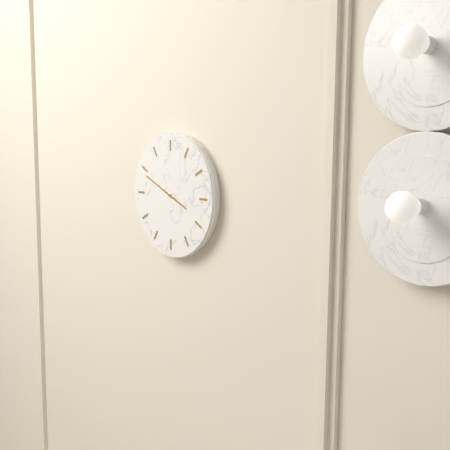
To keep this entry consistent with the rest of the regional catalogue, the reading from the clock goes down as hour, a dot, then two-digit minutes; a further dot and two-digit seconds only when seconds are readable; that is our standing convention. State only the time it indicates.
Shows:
3.49
